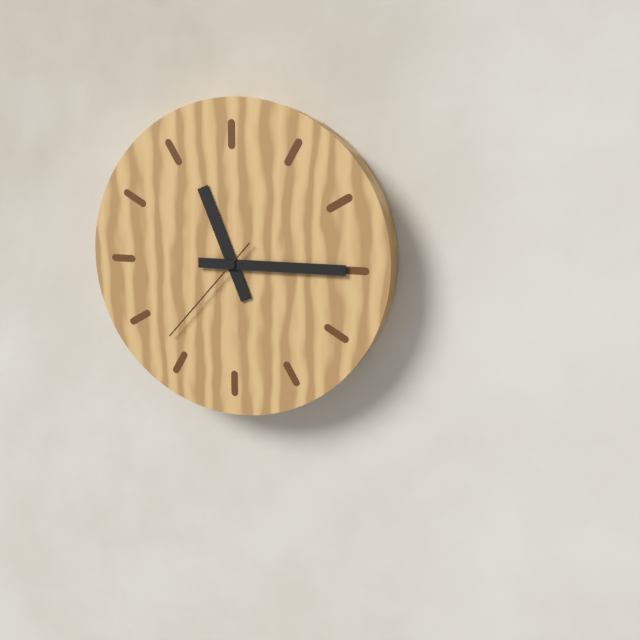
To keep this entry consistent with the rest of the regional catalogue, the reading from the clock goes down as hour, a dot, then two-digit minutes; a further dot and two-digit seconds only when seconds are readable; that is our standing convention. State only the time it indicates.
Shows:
11.15.37
